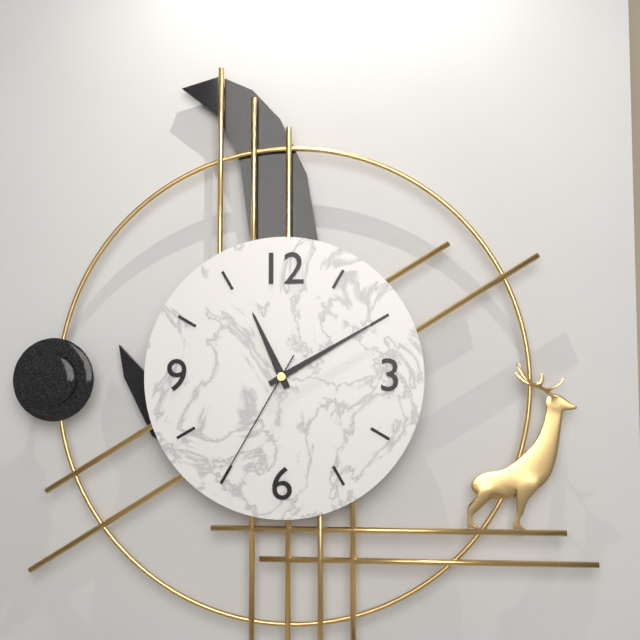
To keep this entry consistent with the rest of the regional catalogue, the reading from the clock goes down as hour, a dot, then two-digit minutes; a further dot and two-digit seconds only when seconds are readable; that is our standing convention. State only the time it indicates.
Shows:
11.10.35
